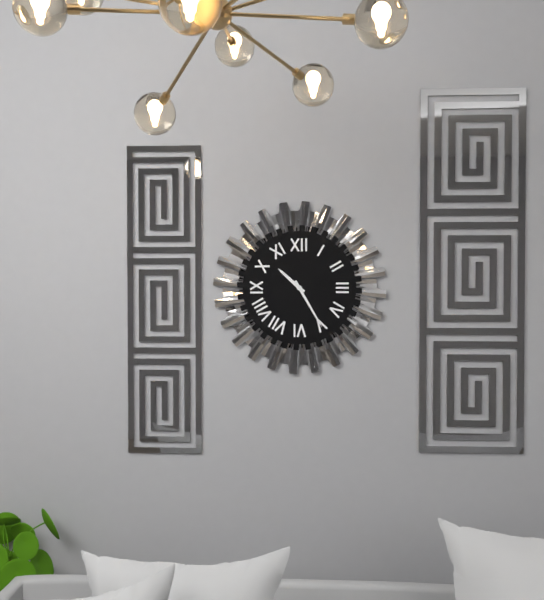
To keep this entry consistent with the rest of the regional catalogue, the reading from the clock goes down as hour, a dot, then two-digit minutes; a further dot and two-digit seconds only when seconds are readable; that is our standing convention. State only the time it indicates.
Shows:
10.25
